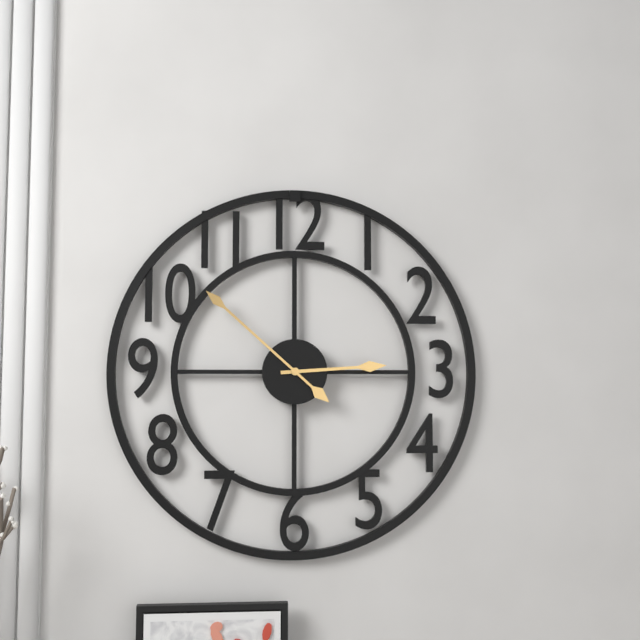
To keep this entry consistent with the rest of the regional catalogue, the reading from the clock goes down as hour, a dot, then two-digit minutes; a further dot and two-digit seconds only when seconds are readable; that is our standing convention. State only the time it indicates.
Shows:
2.52
